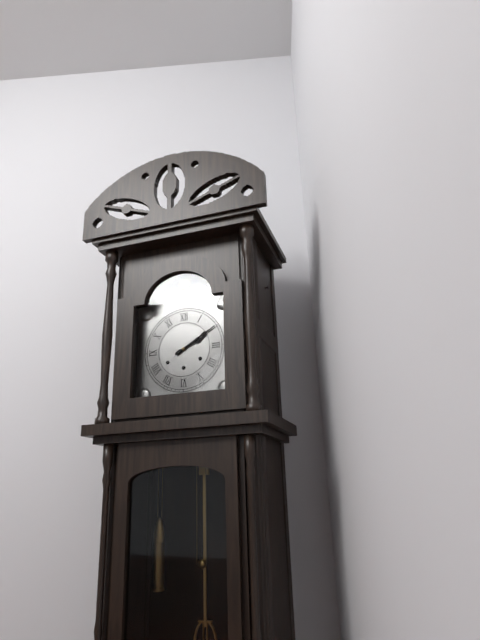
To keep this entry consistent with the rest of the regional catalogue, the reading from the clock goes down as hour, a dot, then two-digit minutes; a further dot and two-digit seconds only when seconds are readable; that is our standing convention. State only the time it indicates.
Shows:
2.10
